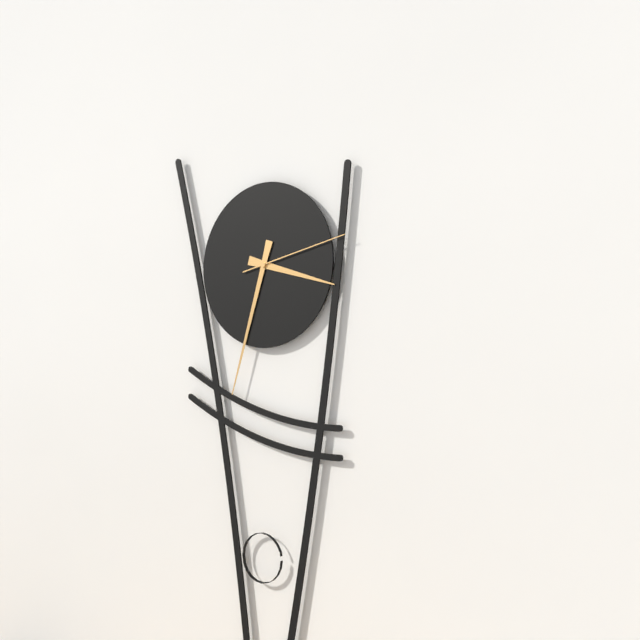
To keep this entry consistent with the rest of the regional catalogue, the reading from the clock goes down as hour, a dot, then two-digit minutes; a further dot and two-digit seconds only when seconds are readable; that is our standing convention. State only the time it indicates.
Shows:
3.33.13
